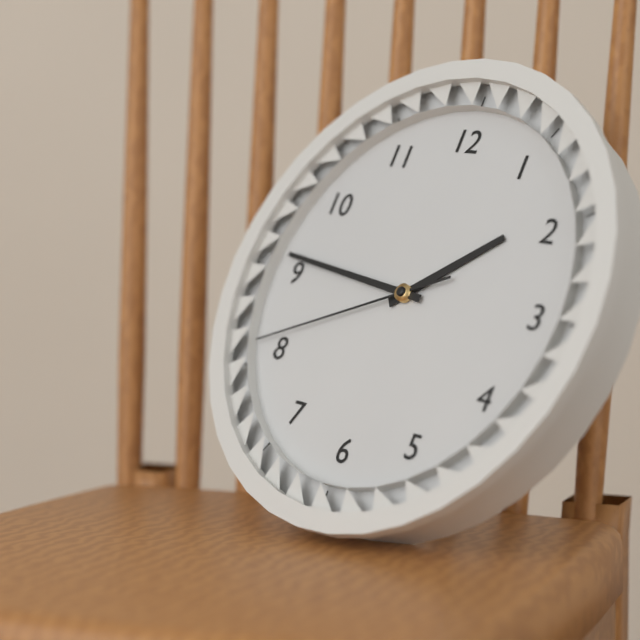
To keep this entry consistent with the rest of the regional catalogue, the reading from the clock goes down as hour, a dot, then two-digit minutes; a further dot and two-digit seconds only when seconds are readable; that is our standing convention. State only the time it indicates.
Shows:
1.46.41
